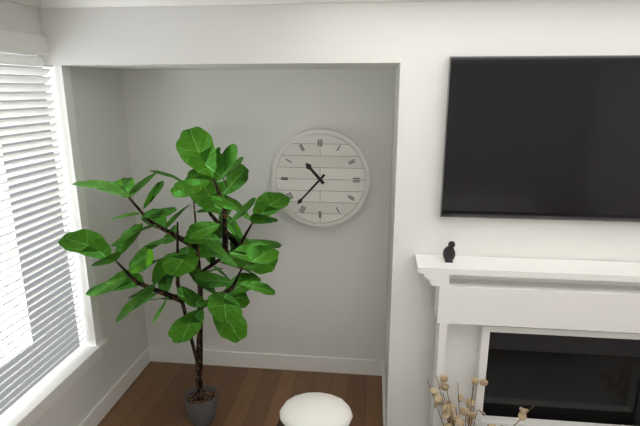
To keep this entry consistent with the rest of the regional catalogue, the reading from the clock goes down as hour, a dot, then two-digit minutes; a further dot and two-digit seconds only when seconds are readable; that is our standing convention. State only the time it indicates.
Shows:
10.37
